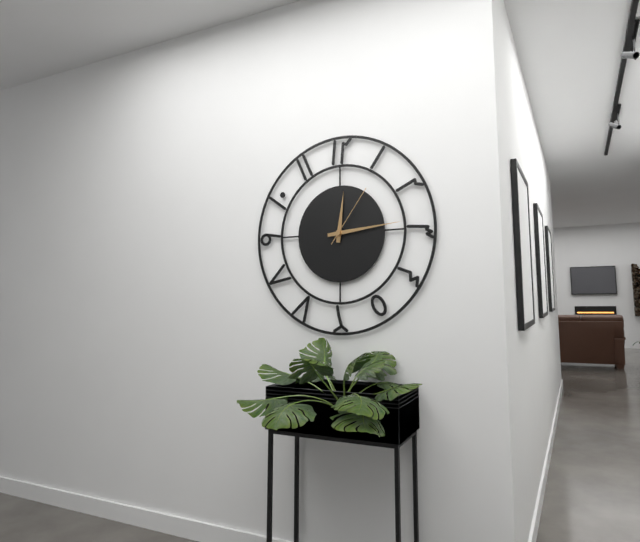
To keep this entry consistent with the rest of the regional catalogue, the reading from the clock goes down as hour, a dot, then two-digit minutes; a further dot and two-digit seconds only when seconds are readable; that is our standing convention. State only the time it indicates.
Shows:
12.14.06
